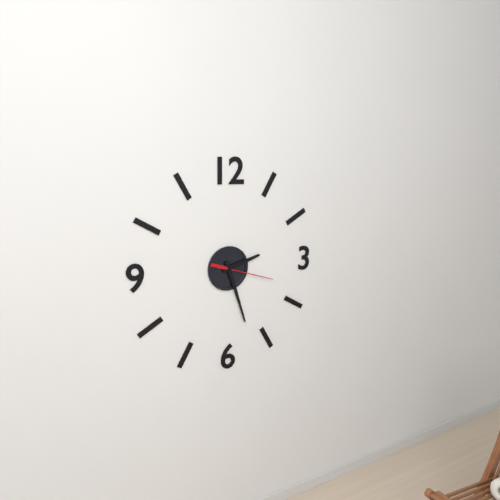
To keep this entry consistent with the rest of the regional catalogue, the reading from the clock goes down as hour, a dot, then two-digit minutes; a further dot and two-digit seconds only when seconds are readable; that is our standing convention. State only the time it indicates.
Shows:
2.27.18
